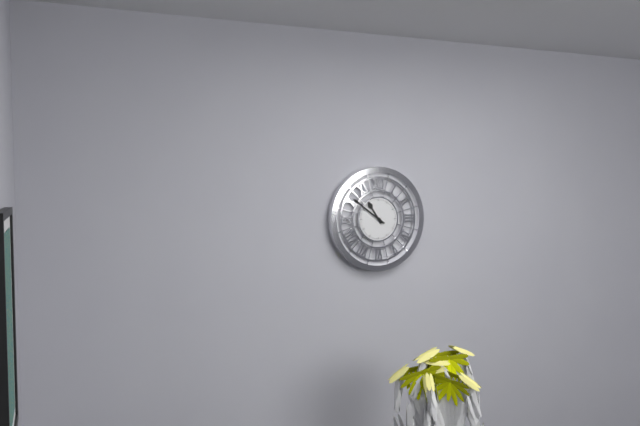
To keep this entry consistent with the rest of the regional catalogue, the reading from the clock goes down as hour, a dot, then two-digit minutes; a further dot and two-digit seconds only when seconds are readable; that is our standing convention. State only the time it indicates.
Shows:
10.51
